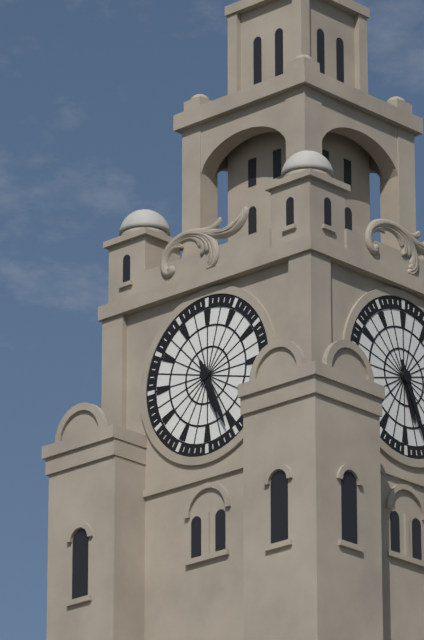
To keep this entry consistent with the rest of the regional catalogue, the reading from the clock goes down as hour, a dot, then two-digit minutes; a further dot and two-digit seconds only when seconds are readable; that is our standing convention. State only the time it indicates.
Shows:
5.26
